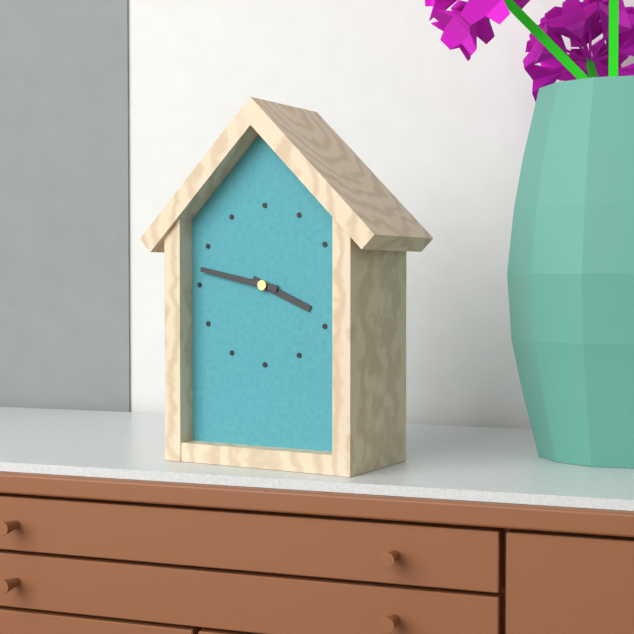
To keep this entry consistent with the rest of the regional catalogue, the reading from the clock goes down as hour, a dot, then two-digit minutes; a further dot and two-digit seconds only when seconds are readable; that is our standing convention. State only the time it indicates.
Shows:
3.47
